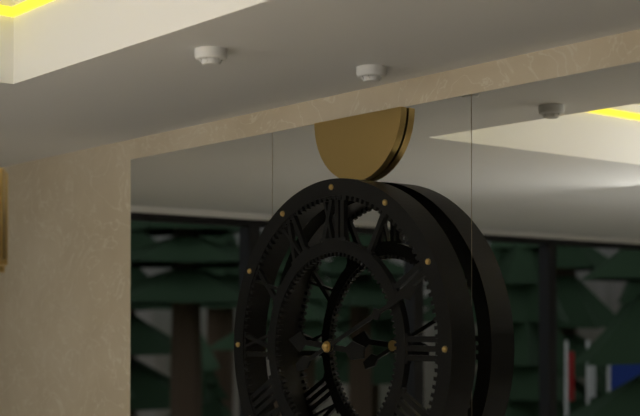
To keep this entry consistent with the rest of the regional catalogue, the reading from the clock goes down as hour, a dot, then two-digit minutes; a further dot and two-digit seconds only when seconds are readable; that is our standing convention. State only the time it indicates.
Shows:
9.11
